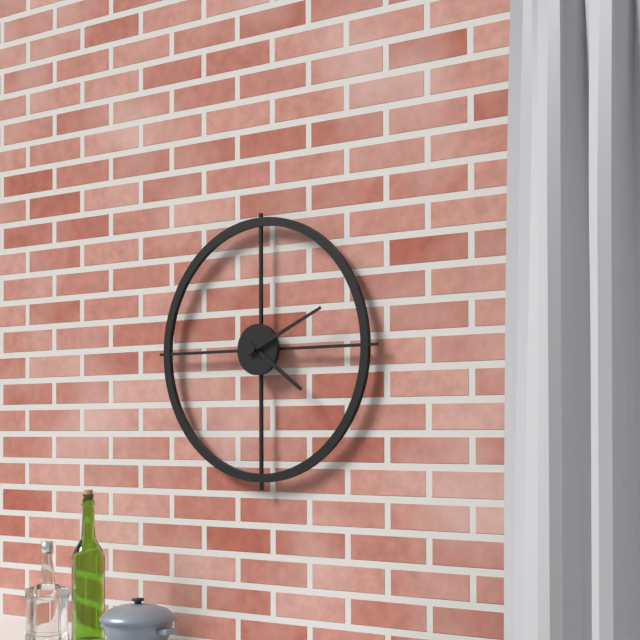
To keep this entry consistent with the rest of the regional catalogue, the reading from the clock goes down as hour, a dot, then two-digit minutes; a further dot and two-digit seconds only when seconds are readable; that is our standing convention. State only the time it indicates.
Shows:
4.11
